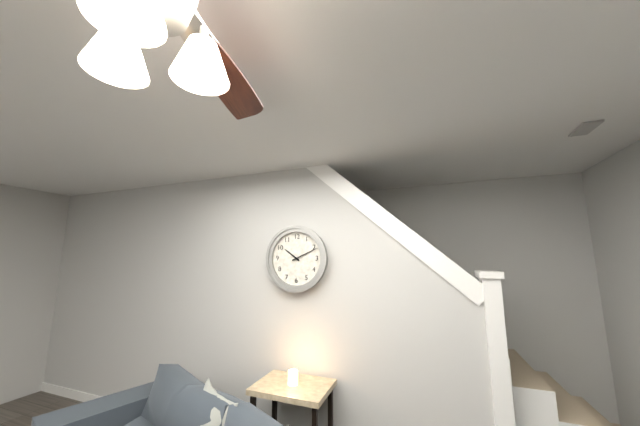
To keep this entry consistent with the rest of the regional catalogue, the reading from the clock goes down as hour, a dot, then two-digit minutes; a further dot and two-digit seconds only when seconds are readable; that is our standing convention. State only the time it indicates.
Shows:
10.11
